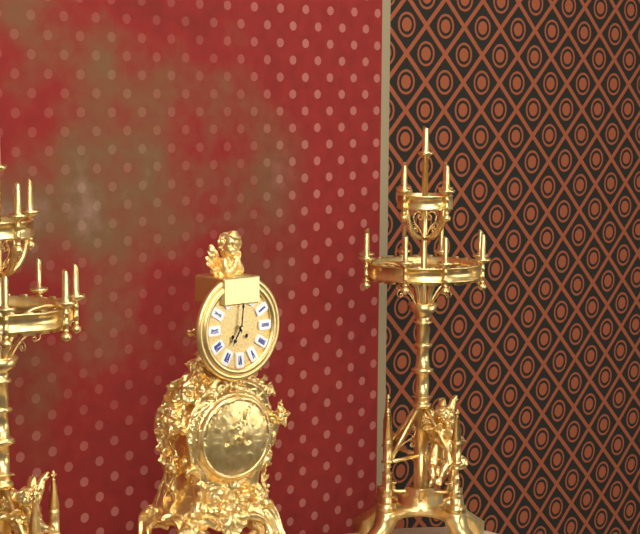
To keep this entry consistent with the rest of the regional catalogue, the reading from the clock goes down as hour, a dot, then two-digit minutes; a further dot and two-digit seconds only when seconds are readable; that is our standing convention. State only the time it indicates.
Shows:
7.01
